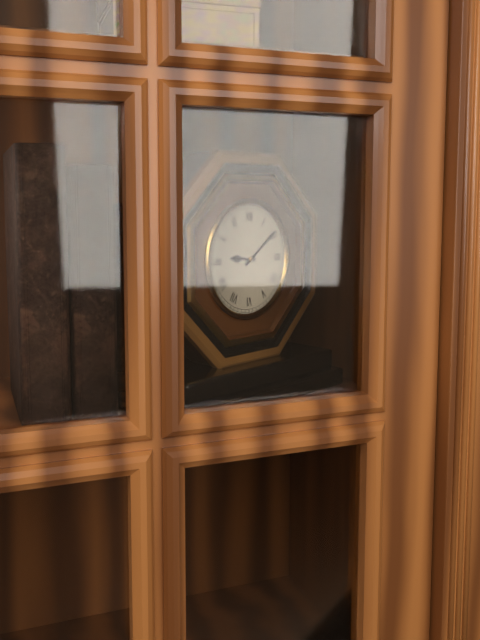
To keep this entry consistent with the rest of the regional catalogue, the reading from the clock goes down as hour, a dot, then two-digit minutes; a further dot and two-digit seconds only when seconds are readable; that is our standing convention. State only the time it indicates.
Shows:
9.09
